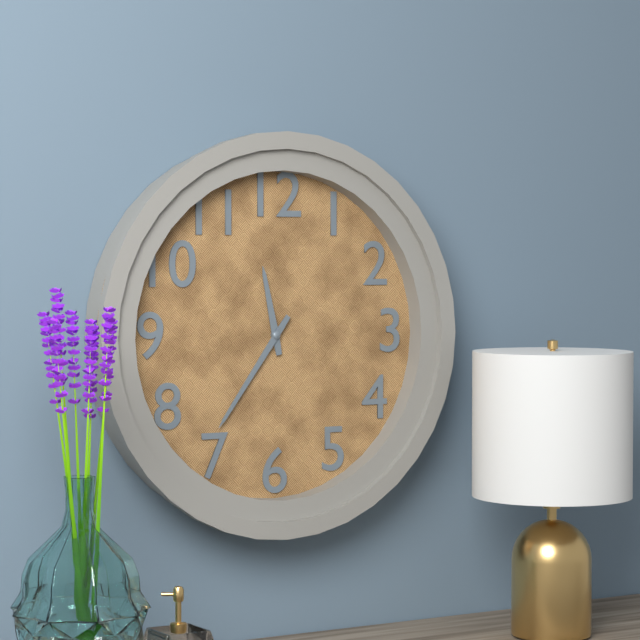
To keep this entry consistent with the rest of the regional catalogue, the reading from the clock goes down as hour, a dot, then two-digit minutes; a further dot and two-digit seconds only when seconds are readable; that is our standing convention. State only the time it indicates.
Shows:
11.36
